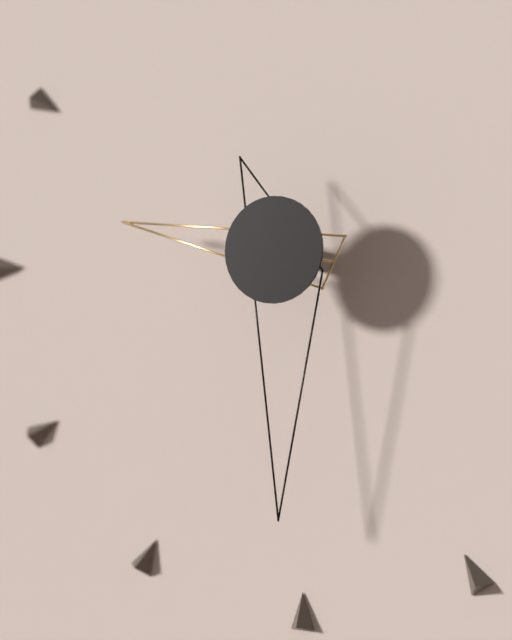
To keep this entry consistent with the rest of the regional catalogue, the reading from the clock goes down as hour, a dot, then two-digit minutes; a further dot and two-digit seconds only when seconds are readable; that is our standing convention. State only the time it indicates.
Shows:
9.30
